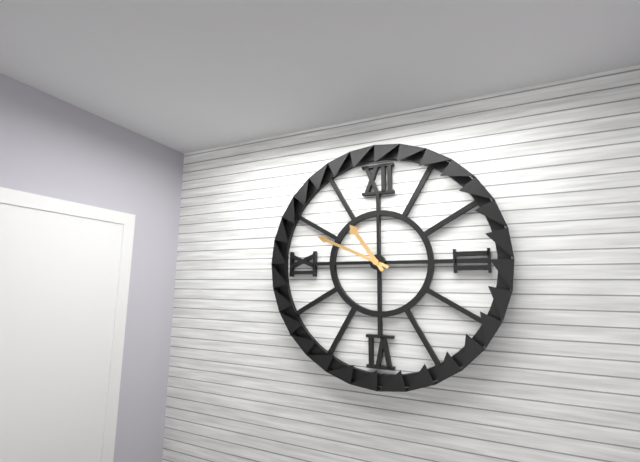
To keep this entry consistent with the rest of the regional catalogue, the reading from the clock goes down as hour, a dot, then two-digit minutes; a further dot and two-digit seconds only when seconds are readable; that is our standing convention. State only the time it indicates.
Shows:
10.49
